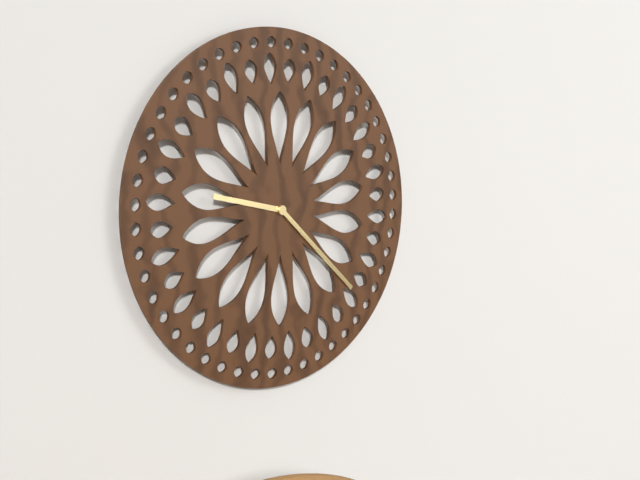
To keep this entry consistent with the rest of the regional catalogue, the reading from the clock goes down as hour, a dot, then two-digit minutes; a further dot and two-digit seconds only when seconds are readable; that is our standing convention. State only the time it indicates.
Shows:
9.22
